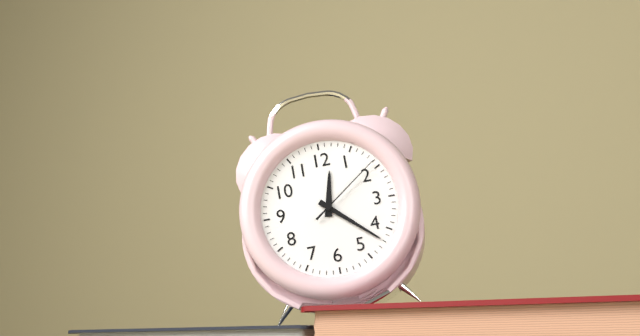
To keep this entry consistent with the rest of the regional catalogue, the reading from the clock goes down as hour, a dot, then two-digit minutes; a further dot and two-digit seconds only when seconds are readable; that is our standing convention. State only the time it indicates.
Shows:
12.22.09
